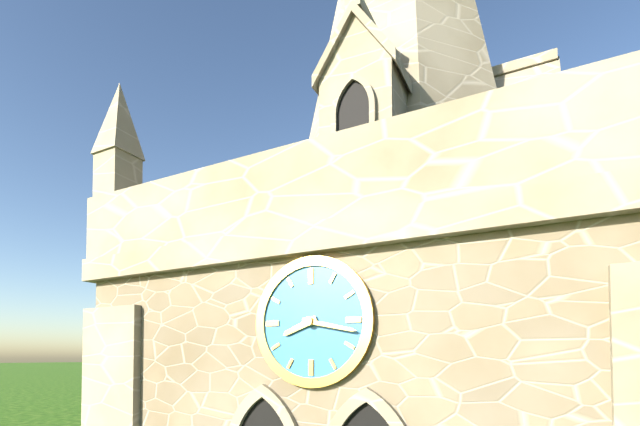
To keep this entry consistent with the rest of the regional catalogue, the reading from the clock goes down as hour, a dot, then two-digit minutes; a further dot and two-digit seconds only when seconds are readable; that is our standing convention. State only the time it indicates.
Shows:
8.17
